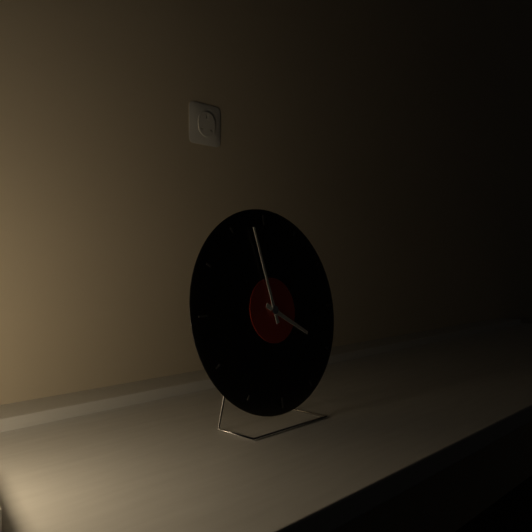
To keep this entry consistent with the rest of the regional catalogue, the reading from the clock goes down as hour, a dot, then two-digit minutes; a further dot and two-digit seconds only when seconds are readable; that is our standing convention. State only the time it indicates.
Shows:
3.58
